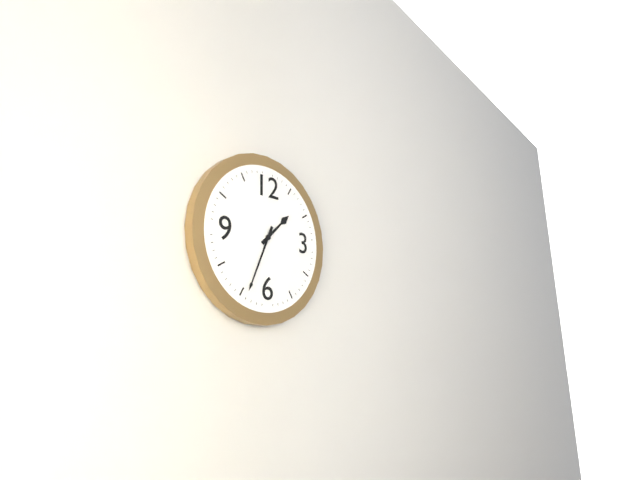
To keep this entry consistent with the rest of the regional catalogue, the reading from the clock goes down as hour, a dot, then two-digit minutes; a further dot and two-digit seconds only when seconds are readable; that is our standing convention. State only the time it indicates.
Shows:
1.34
